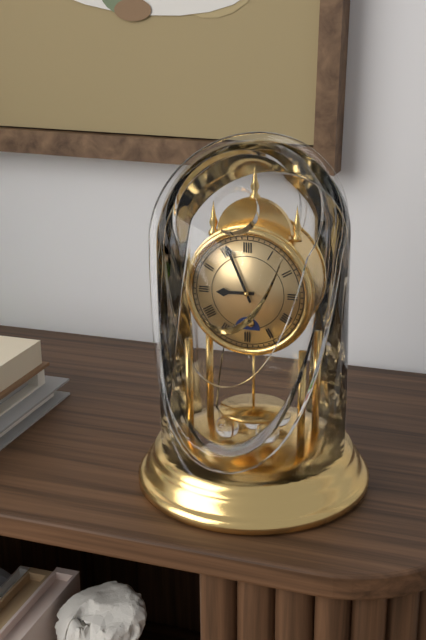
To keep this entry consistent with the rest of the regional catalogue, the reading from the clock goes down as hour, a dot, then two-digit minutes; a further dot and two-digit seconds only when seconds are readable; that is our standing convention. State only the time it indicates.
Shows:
8.56
